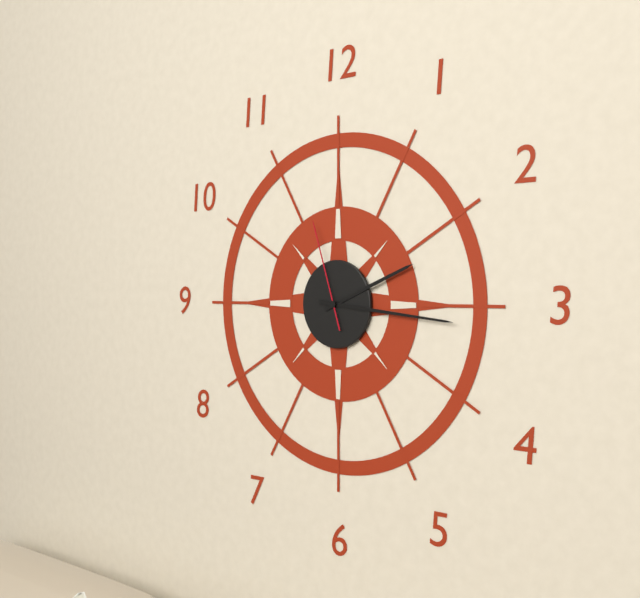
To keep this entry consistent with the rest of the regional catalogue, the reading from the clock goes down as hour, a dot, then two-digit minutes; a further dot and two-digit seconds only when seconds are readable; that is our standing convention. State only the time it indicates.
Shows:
2.16.57
